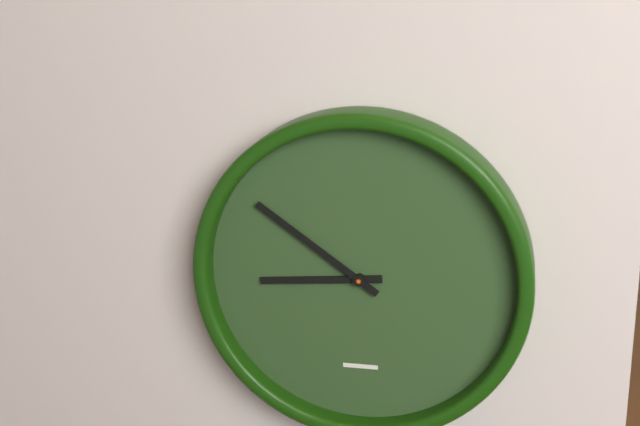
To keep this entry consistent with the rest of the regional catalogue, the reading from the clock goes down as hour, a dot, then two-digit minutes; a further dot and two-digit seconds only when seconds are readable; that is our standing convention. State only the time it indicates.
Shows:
8.51
